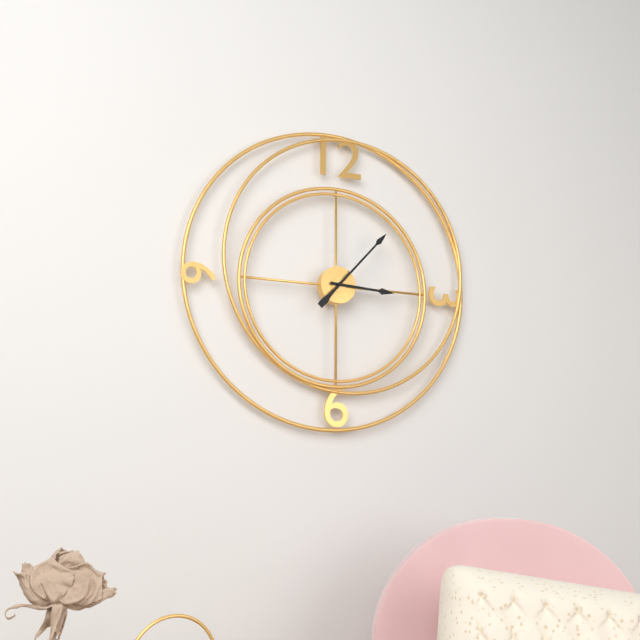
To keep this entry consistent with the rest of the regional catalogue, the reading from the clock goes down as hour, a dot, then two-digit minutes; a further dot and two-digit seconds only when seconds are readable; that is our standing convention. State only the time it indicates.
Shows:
3.07
